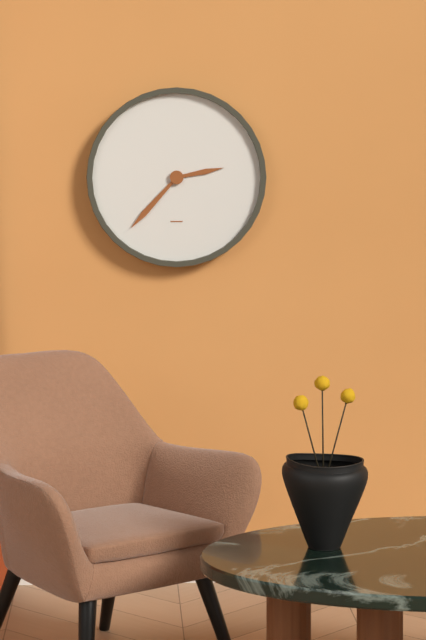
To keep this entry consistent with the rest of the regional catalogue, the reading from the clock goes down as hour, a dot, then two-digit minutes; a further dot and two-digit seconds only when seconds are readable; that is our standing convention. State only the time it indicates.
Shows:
2.37
